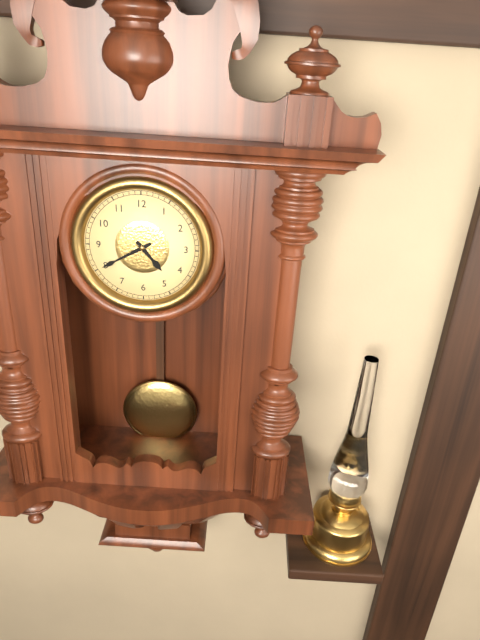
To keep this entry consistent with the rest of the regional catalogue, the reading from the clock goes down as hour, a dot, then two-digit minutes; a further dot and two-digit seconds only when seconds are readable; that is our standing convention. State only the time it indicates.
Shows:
4.40
